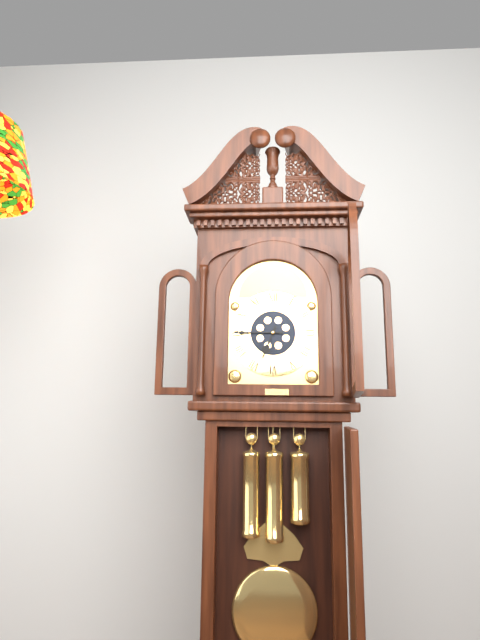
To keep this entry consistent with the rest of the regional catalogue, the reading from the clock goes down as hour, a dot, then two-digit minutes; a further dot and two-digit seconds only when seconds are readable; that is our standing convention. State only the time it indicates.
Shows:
6.45
